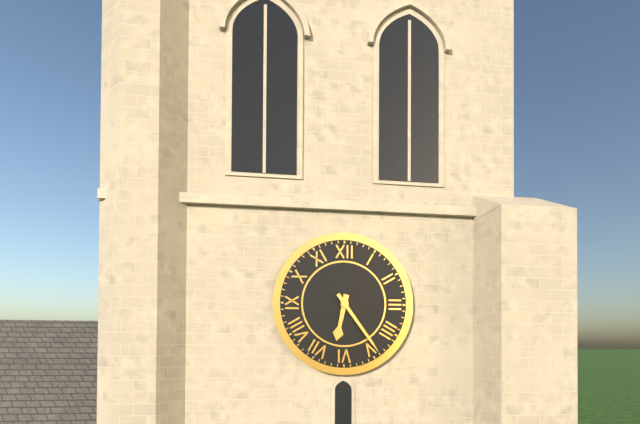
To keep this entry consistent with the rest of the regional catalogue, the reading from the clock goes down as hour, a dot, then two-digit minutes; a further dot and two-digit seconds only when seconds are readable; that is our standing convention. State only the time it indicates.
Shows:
6.24
